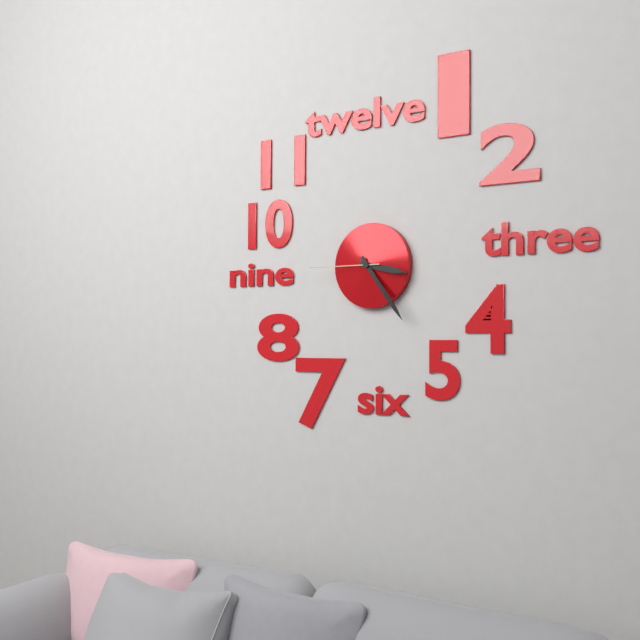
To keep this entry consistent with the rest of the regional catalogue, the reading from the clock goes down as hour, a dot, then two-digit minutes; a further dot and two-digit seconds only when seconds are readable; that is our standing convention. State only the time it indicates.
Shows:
3.24.45
